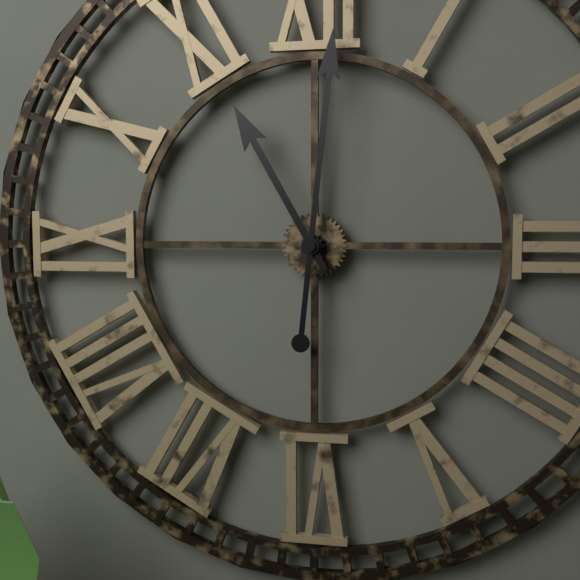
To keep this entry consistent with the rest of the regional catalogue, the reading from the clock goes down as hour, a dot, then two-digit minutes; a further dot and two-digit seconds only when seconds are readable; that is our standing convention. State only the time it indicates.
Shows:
11.01
